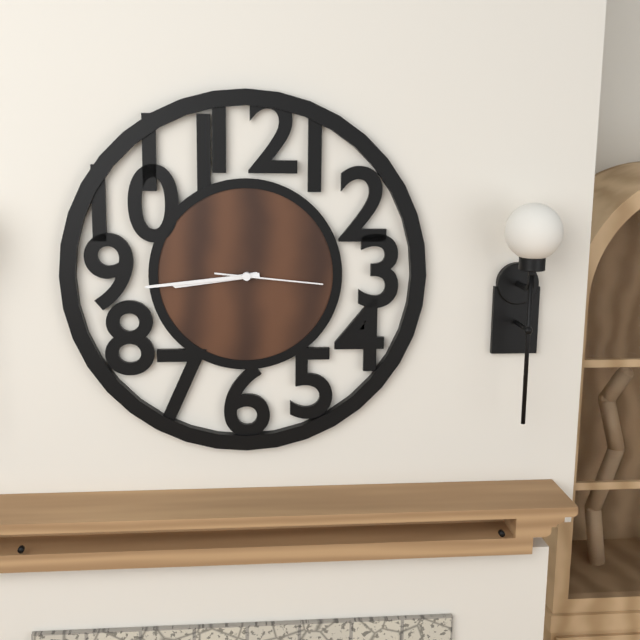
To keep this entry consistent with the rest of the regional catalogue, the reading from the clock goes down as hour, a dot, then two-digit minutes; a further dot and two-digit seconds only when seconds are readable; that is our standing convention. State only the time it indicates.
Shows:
8.44.16
